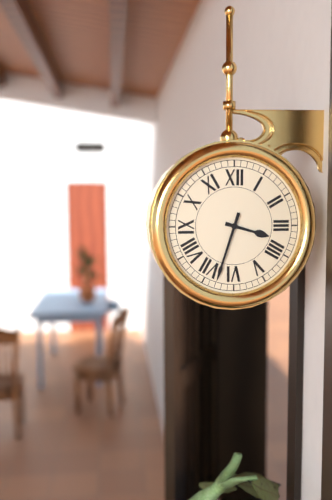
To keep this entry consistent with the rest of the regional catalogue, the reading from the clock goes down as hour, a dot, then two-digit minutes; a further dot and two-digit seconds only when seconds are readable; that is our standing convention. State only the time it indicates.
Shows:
3.33
